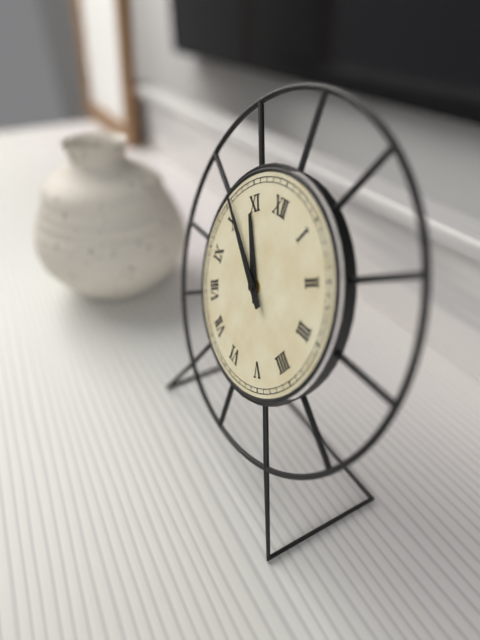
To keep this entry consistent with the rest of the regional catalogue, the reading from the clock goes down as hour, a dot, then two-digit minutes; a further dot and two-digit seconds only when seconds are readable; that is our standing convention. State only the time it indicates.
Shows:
10.51
